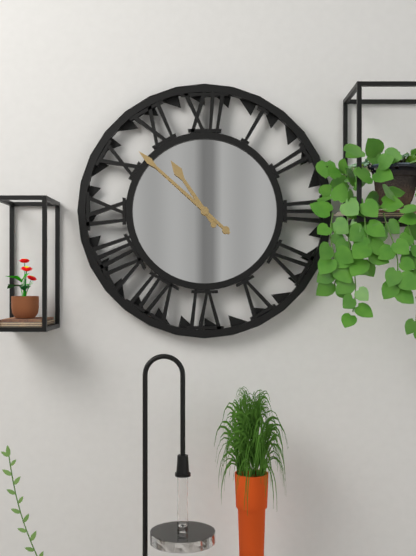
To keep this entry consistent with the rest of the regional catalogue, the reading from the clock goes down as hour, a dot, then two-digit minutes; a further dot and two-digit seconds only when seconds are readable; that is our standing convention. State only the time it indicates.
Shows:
10.52
